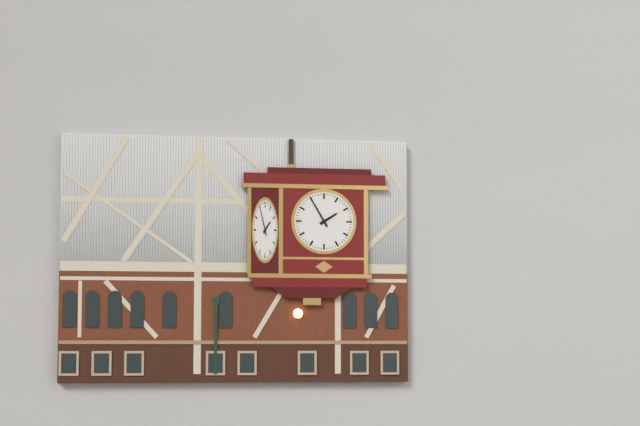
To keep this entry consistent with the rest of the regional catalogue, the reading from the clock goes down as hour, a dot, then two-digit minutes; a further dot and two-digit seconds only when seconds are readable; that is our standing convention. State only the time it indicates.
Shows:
1.55
